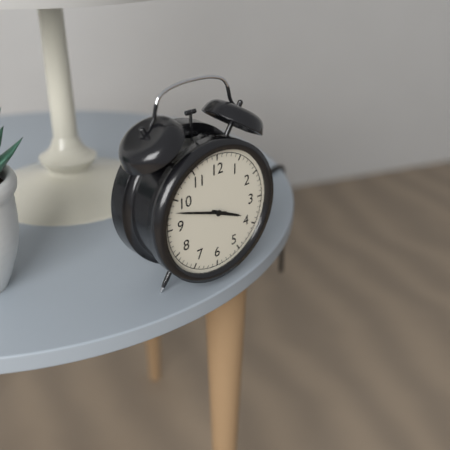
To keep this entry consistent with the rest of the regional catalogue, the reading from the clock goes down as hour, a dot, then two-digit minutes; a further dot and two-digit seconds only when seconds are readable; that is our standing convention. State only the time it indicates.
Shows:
3.48
